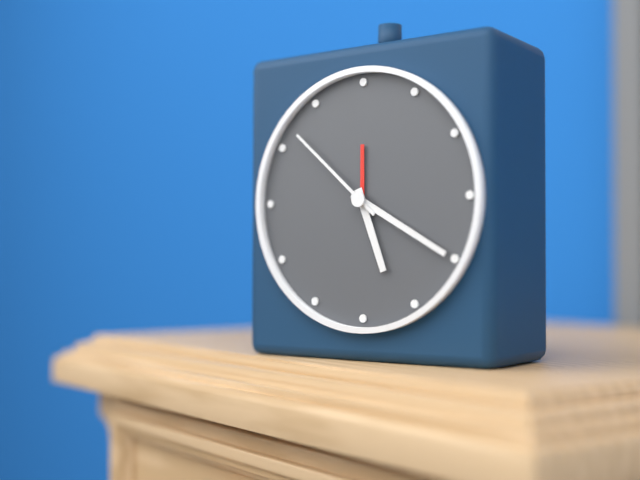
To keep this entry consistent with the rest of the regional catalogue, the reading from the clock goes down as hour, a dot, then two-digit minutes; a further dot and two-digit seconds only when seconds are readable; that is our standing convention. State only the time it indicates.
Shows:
5.20.52
